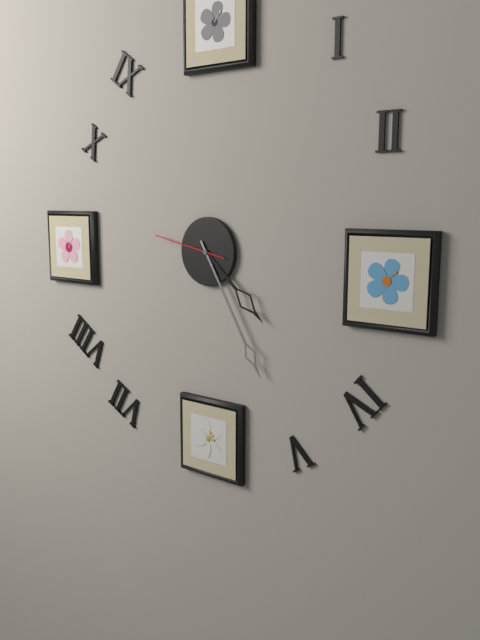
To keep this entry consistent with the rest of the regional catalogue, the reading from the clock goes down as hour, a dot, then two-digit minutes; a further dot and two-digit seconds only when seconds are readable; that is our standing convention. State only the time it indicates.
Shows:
4.25.47
